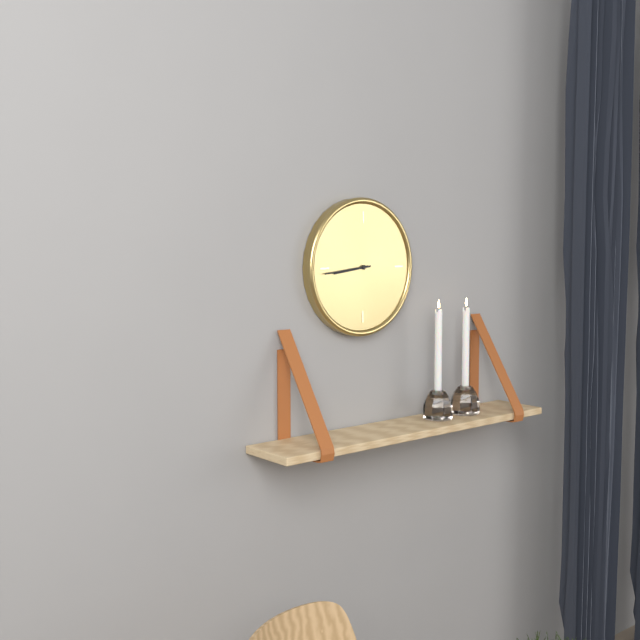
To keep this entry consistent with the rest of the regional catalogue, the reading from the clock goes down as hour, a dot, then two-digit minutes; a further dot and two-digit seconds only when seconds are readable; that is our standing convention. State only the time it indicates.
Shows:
8.44
